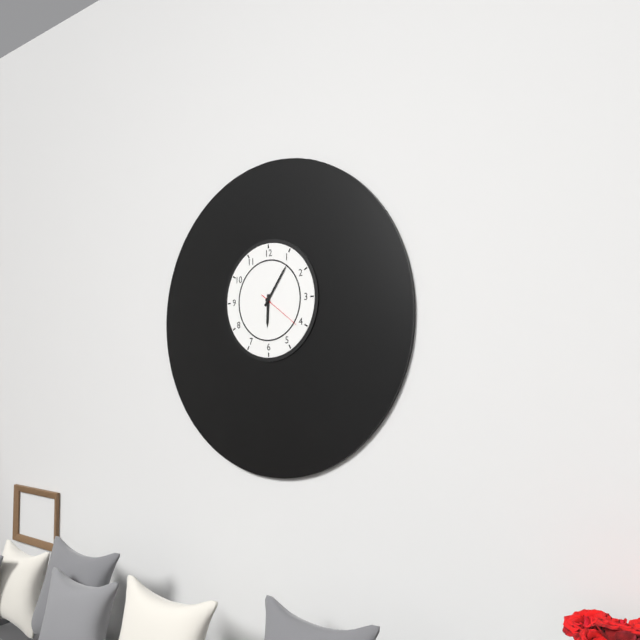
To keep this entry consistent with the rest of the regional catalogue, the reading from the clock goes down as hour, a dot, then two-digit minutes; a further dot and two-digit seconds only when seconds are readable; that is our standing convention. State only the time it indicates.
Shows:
6.06
